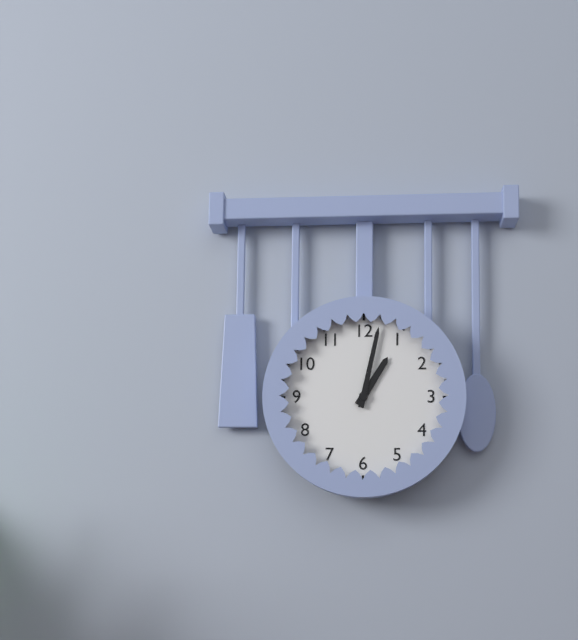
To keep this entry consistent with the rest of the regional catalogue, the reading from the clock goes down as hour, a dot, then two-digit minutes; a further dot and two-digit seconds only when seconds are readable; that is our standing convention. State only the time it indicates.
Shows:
1.02
